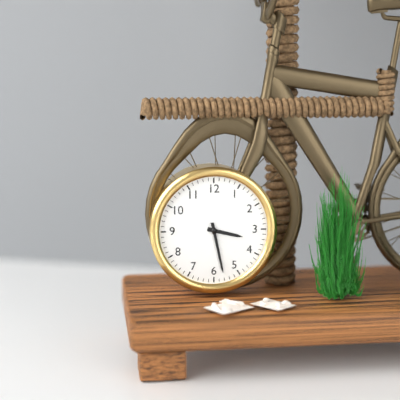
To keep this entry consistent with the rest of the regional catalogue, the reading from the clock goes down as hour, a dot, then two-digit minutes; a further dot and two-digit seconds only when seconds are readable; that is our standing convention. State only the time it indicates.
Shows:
3.28
